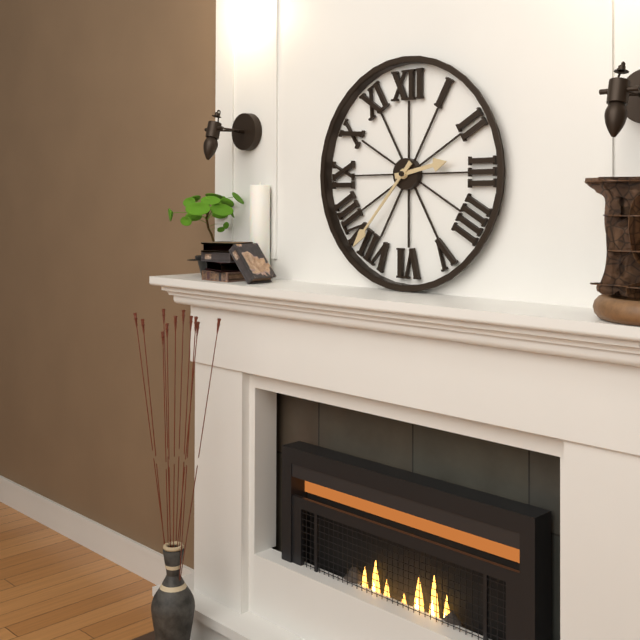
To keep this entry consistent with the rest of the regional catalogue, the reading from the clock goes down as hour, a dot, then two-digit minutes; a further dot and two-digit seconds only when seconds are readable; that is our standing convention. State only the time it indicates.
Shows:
2.37
